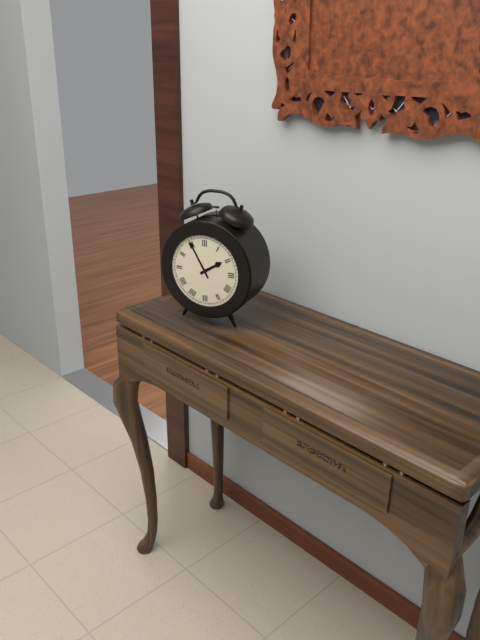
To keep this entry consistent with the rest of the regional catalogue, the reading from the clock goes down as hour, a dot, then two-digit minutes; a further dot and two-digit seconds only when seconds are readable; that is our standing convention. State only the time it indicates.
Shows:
1.55
